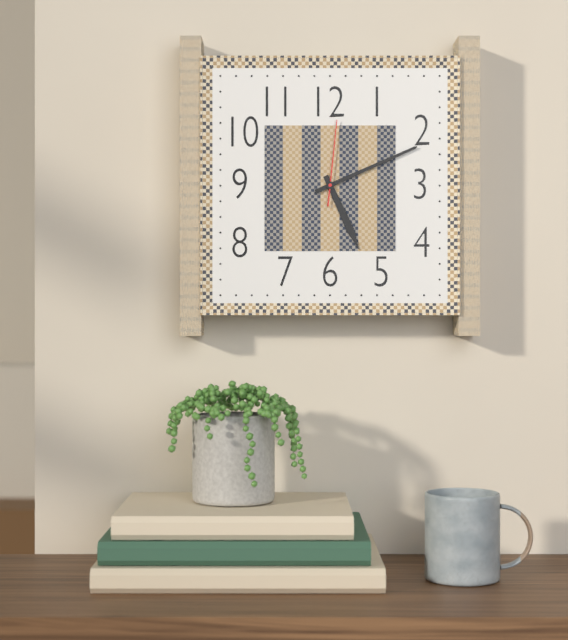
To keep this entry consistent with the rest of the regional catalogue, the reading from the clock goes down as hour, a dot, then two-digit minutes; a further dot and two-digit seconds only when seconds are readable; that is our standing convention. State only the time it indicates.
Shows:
5.11.01
